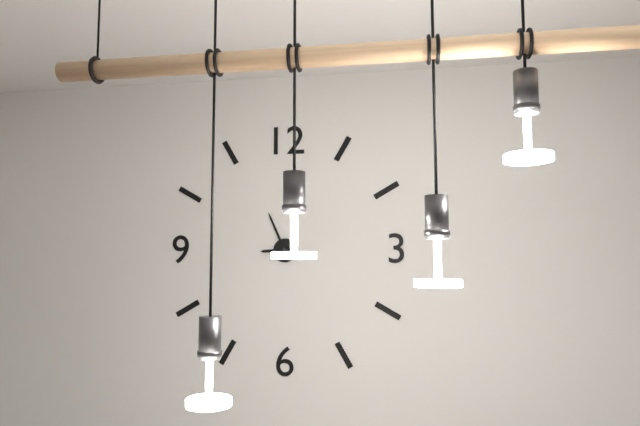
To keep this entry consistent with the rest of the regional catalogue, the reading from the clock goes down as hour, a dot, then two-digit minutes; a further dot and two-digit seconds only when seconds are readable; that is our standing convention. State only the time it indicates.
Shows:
8.56
